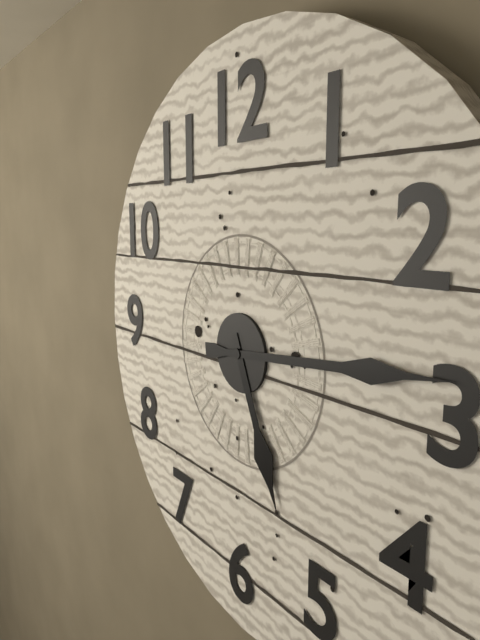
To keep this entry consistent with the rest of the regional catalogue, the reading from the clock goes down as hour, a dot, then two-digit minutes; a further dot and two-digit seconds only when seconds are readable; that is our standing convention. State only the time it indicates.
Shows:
5.14
